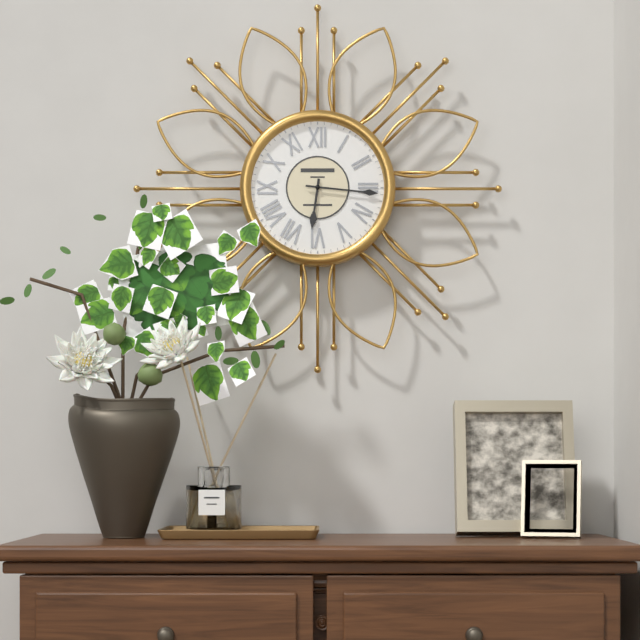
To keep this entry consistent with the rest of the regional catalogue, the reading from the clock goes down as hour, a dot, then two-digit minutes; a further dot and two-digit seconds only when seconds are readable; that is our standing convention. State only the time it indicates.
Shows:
6.16
